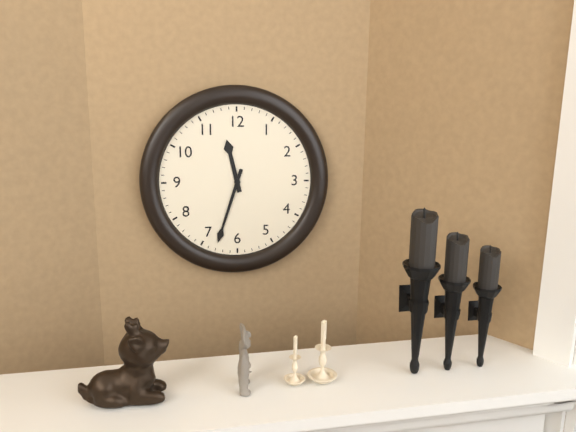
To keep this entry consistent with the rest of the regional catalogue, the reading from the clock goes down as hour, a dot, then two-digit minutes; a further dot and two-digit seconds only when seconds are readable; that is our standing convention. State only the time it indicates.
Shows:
11.33
